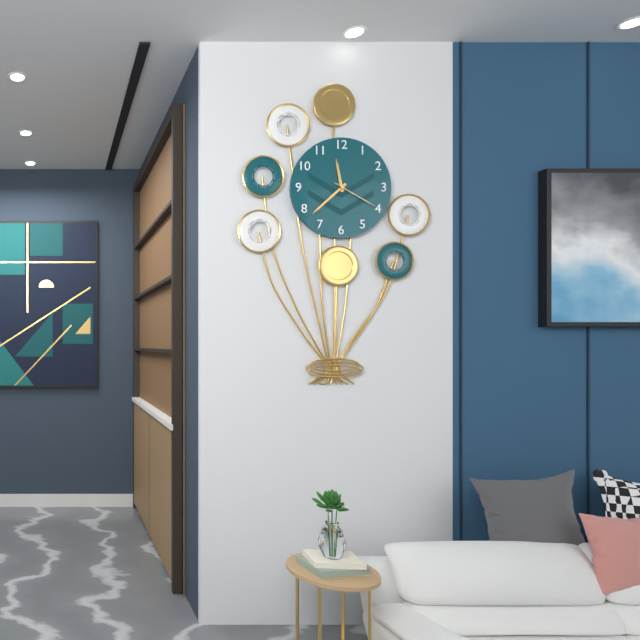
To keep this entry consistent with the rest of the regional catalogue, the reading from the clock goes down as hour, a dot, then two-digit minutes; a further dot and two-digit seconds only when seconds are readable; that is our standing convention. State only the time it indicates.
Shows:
11.38
